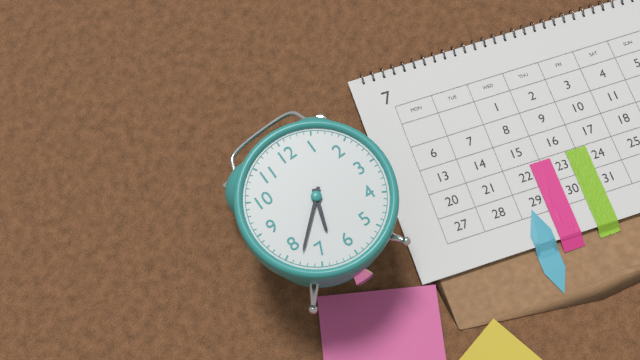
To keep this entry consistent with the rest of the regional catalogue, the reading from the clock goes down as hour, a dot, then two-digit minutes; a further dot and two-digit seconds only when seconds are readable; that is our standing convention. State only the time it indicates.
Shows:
6.38
